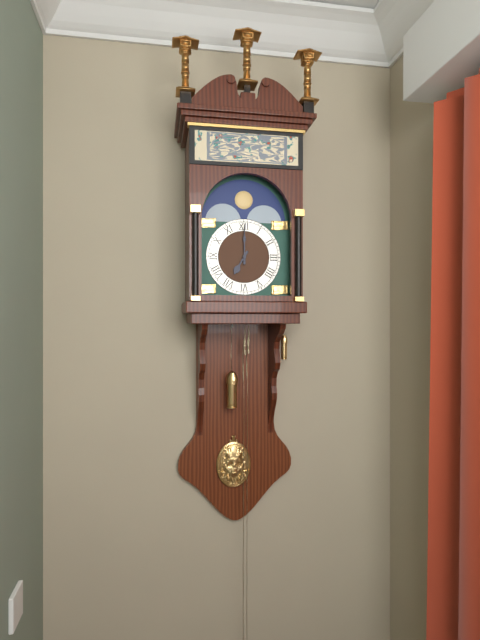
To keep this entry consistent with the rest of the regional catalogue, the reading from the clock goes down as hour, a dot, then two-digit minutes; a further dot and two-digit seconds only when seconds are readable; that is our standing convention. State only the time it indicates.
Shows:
7.00
